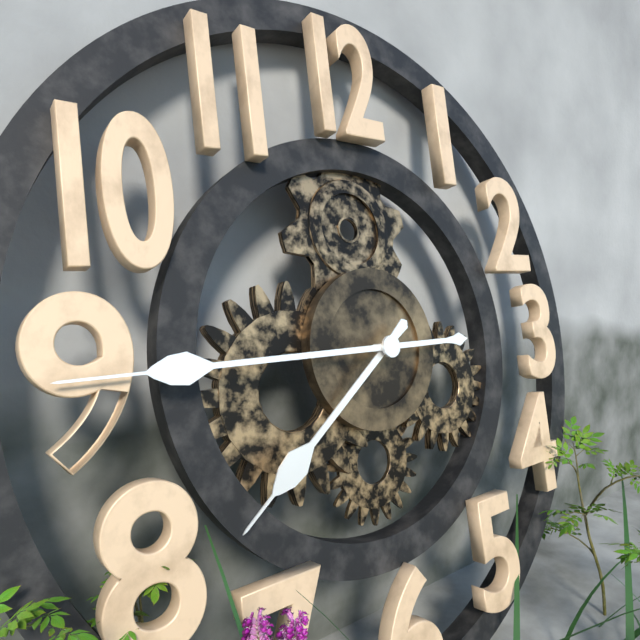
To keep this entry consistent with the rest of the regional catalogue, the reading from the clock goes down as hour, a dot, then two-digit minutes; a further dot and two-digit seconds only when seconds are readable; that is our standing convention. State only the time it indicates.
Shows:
7.45
